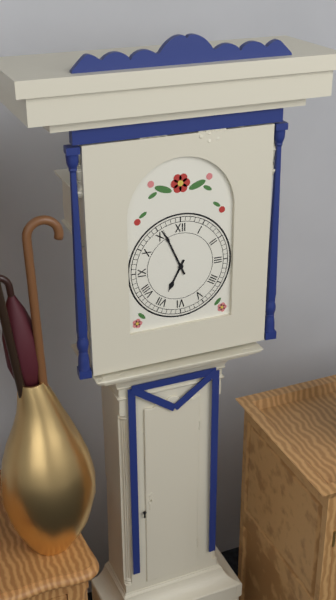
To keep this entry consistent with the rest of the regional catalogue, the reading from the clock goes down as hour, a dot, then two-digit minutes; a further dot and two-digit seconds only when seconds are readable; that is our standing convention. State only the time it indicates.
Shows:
6.56
